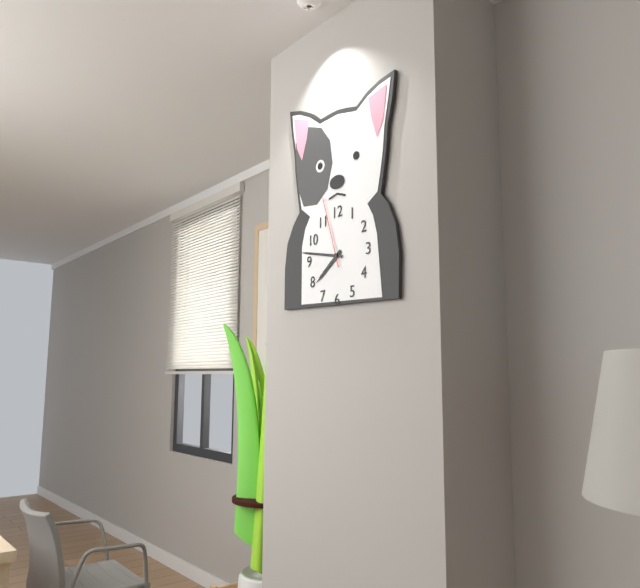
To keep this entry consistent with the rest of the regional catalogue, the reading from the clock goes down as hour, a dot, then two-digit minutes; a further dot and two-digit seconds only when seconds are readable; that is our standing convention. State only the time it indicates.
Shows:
7.47.57
